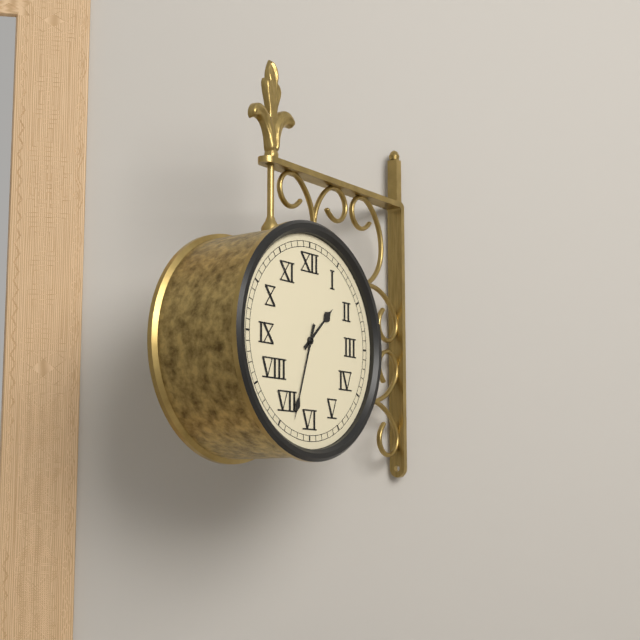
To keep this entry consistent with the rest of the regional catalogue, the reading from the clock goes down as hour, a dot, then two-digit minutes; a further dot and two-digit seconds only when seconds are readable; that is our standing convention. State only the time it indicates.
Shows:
1.33
